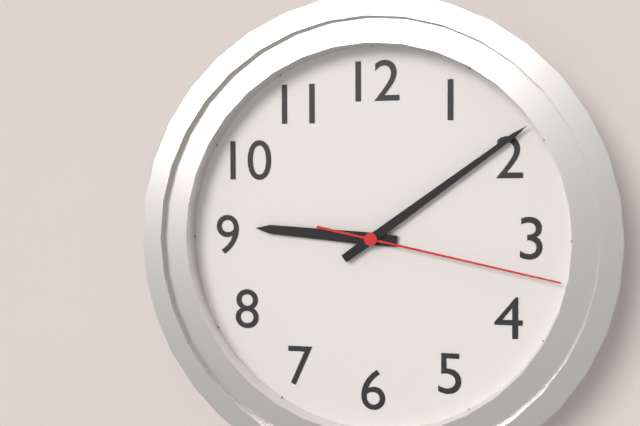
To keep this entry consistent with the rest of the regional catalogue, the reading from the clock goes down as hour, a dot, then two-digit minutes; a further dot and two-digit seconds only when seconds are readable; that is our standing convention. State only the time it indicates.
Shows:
9.09.17
